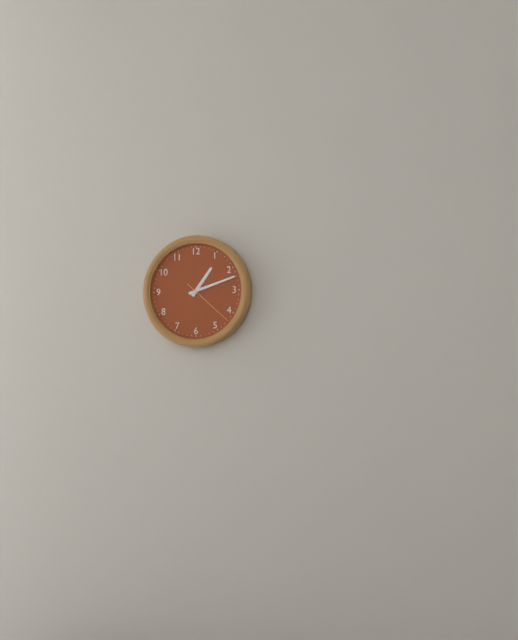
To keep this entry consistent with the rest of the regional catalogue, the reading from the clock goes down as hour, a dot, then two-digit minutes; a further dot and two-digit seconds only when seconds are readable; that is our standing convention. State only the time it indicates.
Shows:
1.12.22
